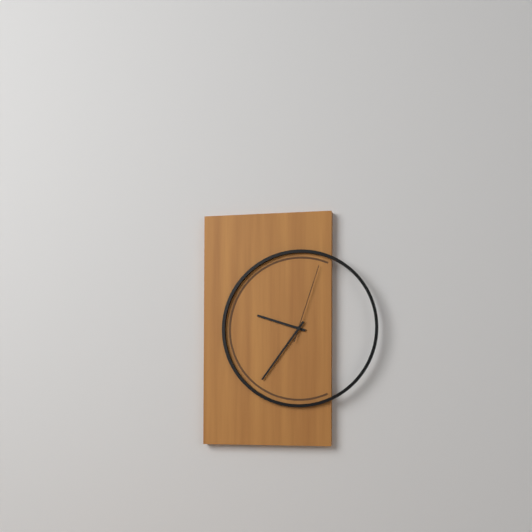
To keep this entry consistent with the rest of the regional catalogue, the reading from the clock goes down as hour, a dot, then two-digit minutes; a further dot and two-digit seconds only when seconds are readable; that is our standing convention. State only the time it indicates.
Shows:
9.36.03
